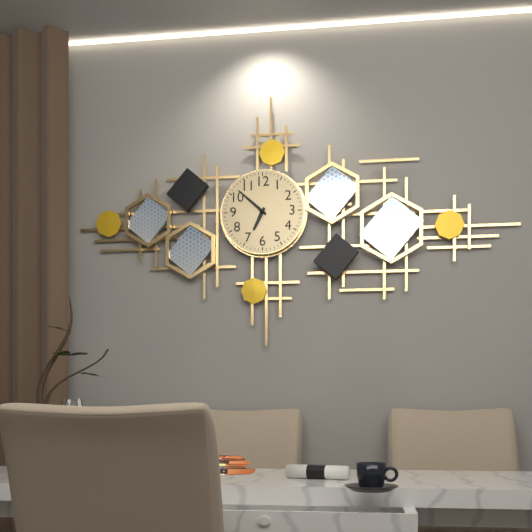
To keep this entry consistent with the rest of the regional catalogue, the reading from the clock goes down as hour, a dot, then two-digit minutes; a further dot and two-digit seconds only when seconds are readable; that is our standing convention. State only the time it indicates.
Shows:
6.52
